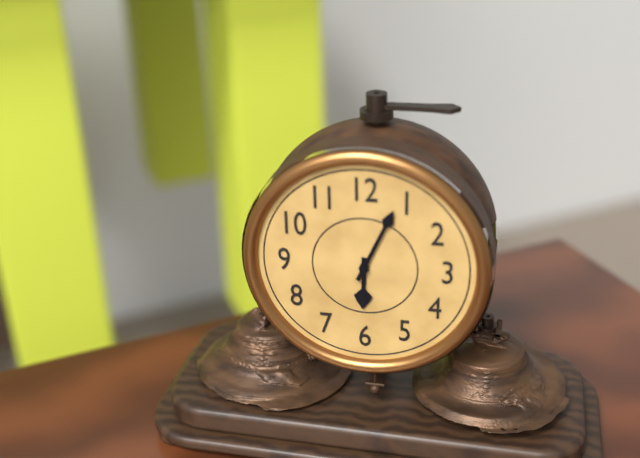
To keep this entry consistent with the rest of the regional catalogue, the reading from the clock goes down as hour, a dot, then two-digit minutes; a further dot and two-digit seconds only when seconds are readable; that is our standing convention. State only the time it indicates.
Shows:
6.04
